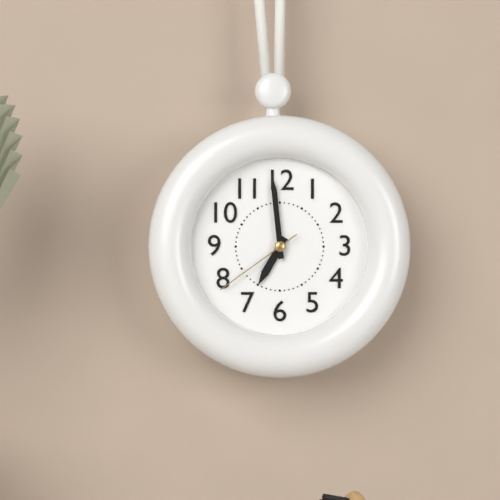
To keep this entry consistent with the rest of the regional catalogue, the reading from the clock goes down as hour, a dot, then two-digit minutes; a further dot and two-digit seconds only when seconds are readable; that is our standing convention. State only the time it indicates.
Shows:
6.59.39
